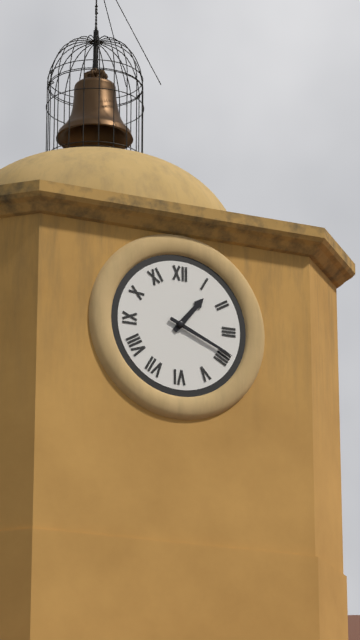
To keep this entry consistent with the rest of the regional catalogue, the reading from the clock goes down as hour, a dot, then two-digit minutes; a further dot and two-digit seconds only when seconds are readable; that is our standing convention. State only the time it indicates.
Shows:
1.19
